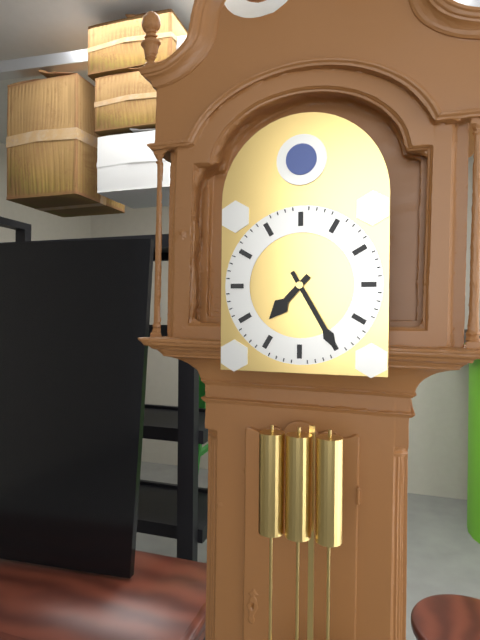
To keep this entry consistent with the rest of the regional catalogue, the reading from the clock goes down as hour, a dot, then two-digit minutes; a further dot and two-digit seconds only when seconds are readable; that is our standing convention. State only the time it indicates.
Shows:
7.25
